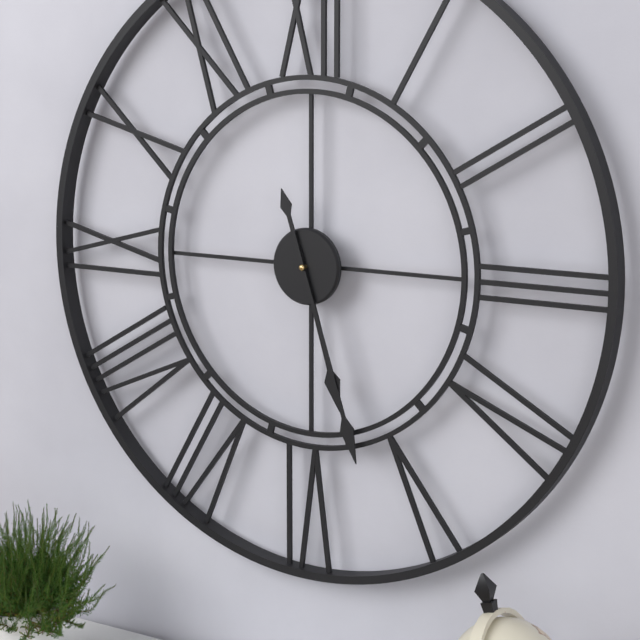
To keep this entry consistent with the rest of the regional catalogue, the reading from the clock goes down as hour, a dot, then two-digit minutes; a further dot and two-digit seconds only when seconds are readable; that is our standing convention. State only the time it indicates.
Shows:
5.27
